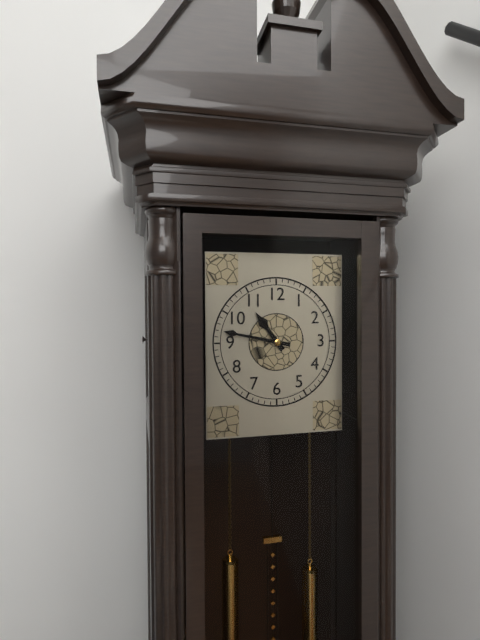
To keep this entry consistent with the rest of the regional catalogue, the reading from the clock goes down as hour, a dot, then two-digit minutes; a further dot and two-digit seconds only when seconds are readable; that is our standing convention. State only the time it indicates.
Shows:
10.47
